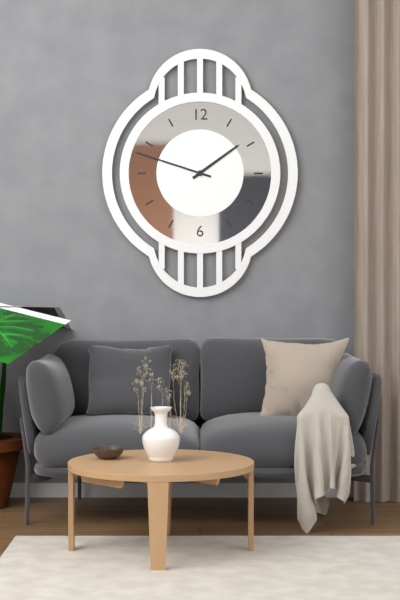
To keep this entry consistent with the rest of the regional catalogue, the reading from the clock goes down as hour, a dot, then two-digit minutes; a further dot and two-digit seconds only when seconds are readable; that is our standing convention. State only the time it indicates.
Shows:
1.48
